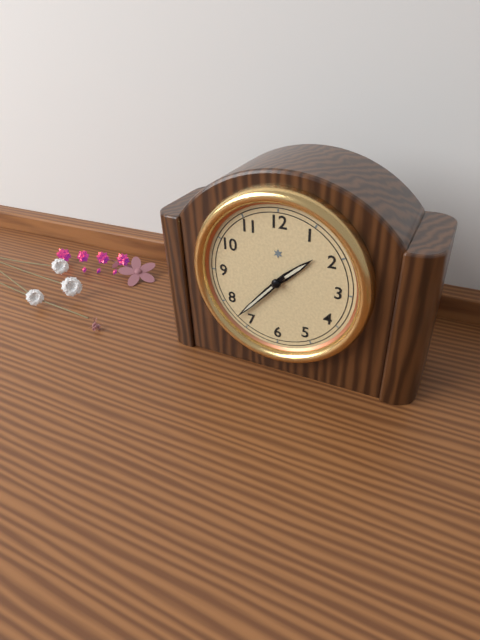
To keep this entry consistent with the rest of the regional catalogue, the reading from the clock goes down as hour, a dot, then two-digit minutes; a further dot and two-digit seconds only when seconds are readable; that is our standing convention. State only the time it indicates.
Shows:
1.37
